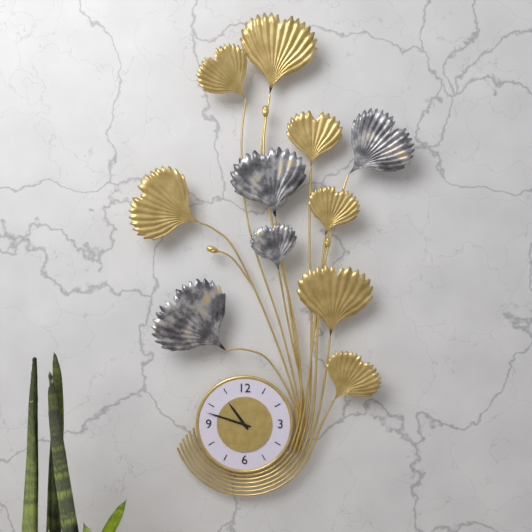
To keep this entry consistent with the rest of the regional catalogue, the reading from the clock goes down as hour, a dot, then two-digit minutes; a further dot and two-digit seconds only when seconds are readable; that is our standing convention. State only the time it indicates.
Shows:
10.48
